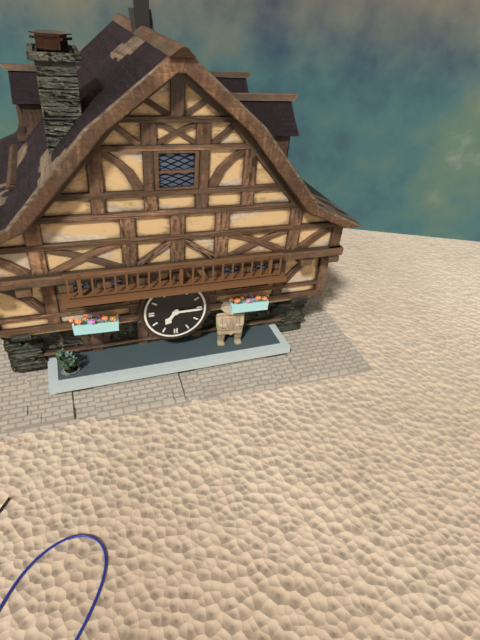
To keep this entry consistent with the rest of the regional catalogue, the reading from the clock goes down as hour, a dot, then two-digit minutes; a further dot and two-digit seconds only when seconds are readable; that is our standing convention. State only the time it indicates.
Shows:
7.15
